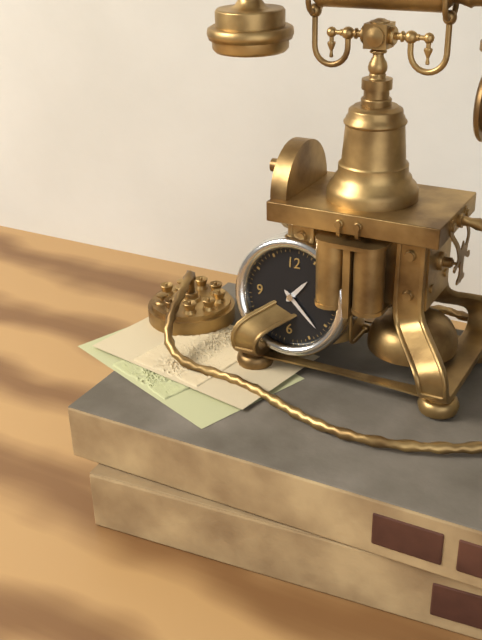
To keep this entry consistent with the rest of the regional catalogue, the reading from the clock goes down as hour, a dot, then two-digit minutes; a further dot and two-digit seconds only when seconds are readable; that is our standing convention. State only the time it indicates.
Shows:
1.22
